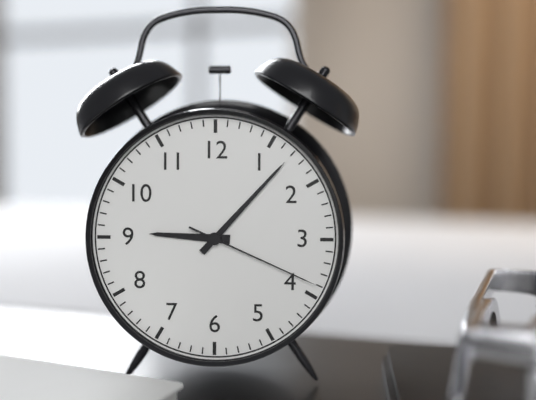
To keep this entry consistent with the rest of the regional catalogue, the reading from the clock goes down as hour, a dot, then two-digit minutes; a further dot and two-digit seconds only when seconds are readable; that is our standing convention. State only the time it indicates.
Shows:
9.07.19
